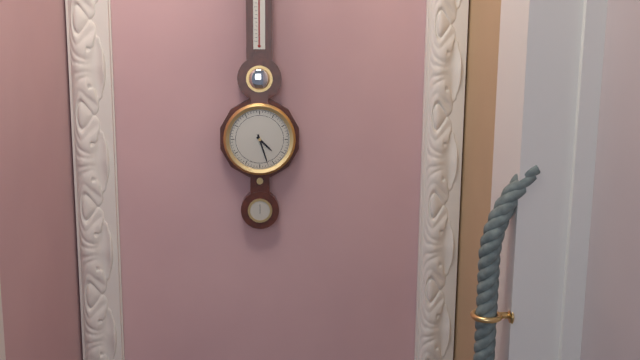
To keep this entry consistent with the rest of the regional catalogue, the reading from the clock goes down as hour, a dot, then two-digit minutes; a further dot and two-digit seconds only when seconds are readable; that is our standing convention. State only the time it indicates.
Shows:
4.27
